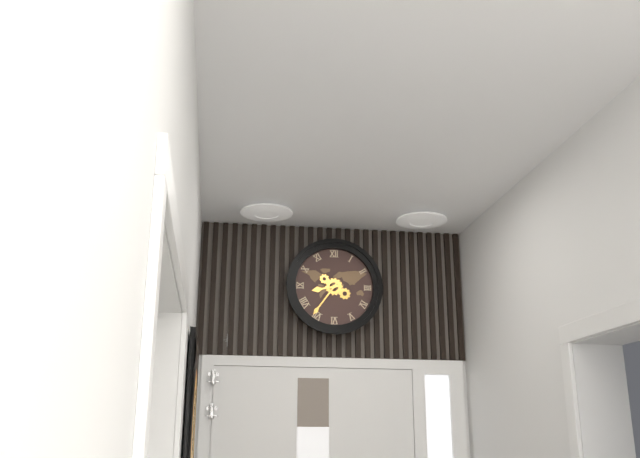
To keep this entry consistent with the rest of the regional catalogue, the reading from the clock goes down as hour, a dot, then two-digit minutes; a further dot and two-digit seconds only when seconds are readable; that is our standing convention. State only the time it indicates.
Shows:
8.36
